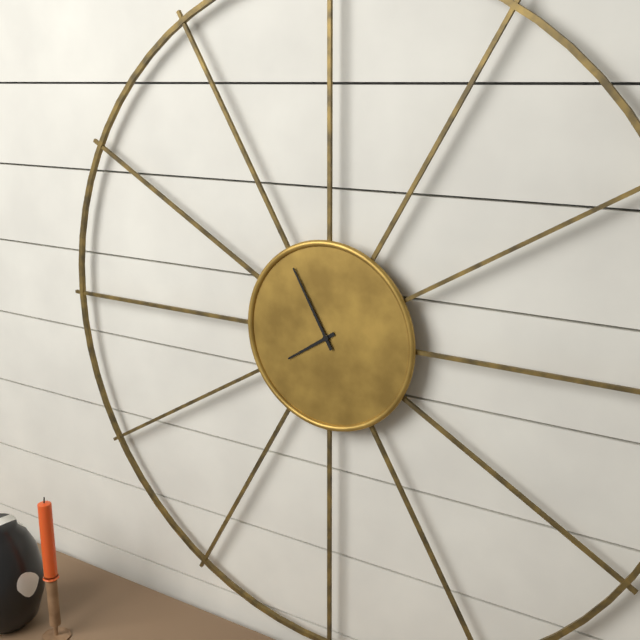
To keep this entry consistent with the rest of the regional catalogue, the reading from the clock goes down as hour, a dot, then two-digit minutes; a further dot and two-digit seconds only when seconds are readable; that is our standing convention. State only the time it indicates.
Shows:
7.55
